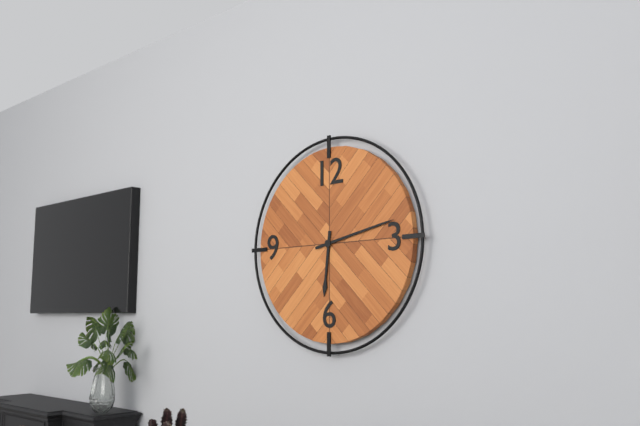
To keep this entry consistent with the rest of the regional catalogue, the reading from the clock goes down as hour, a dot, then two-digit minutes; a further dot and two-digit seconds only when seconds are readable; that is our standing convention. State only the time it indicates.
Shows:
6.13
